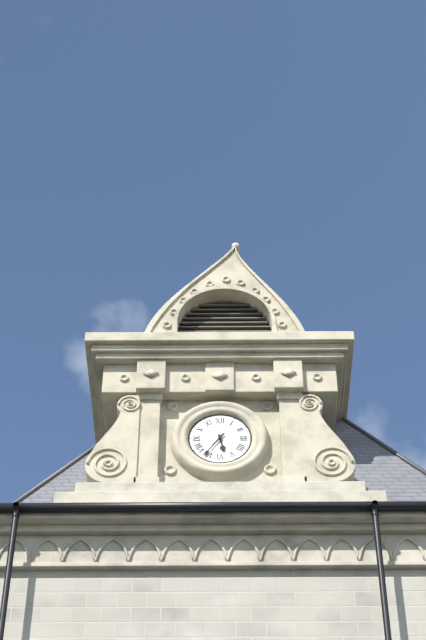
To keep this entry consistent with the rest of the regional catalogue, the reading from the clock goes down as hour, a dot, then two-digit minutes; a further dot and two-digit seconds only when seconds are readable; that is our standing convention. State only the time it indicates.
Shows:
5.36
